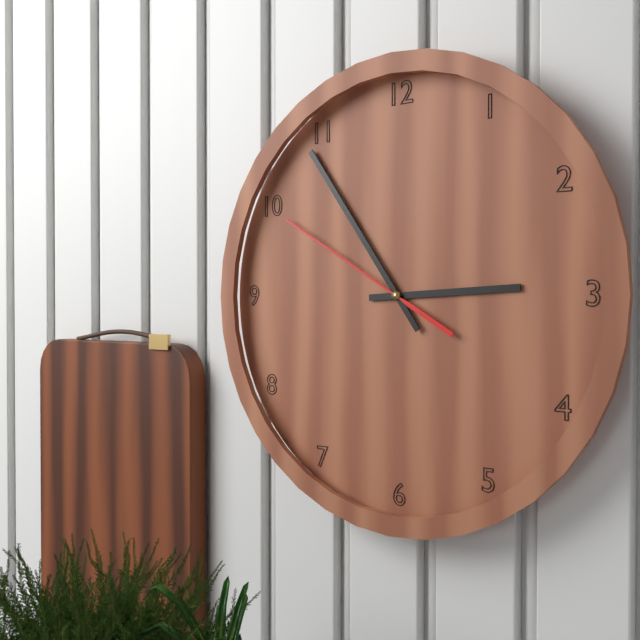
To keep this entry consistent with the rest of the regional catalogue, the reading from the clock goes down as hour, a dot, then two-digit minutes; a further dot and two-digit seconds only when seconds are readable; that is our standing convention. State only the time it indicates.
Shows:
2.54.50
